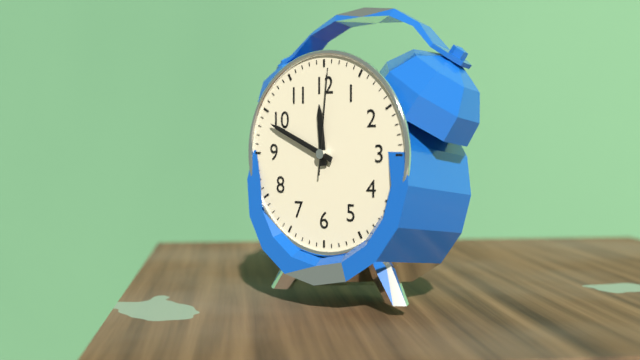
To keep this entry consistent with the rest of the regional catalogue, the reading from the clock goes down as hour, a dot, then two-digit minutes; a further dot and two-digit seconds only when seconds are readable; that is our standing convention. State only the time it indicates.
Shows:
11.49.01
